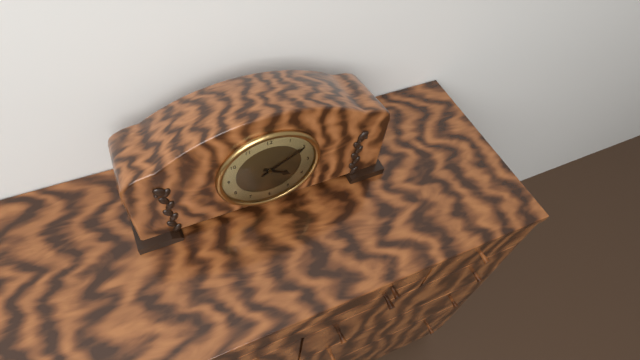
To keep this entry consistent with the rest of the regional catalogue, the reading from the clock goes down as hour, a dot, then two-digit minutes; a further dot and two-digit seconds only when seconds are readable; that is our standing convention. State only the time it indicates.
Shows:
4.10
